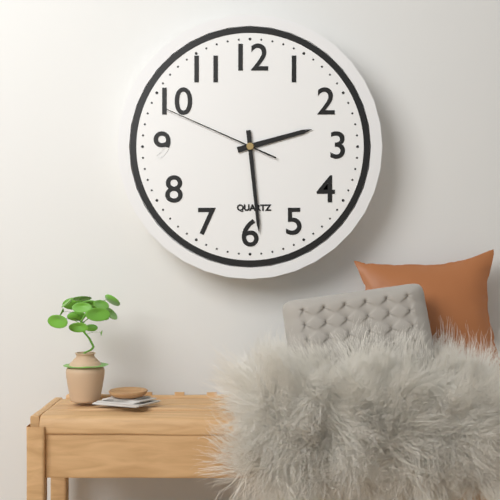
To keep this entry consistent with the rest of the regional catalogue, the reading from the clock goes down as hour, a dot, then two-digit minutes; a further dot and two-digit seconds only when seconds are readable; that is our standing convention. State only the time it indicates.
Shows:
2.29.49
